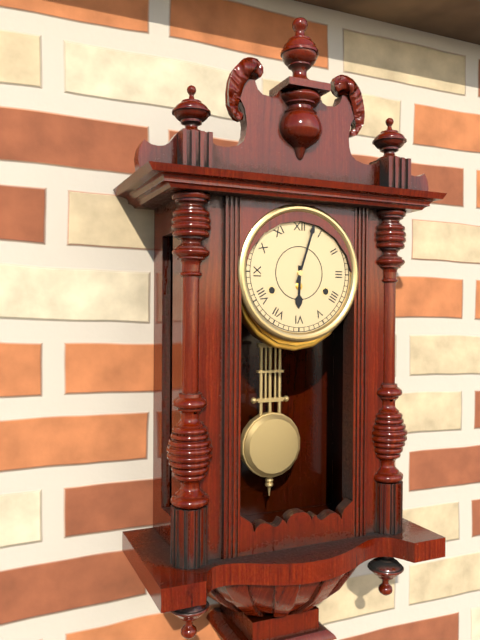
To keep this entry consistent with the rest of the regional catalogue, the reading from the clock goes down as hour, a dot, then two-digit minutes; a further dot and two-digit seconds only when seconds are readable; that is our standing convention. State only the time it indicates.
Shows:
6.03
